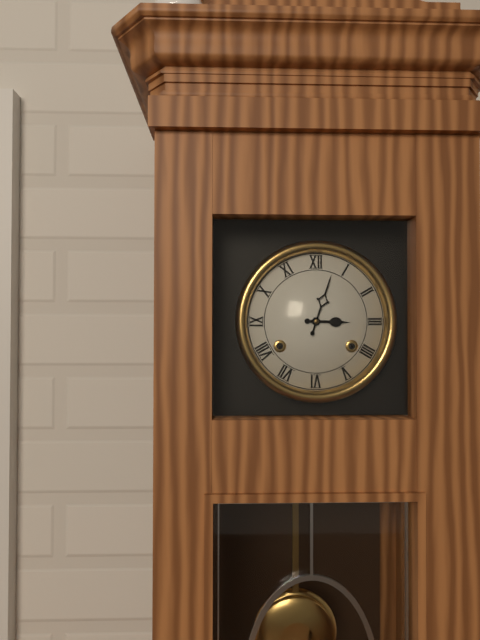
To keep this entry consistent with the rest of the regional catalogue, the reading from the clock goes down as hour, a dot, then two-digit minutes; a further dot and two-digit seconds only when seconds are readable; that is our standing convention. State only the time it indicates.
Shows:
3.03
